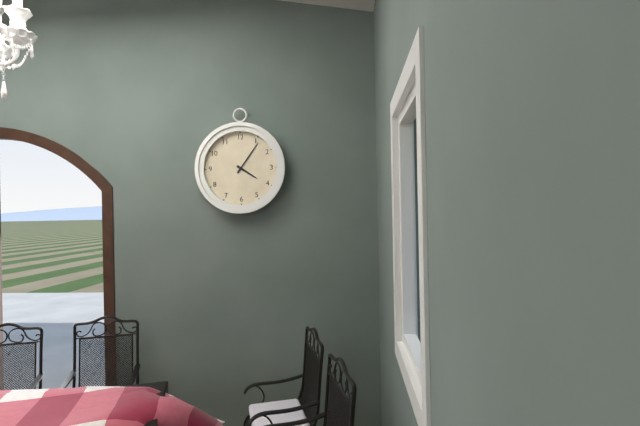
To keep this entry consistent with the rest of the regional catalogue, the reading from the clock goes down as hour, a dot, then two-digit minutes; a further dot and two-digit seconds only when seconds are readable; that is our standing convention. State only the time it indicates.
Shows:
4.06
